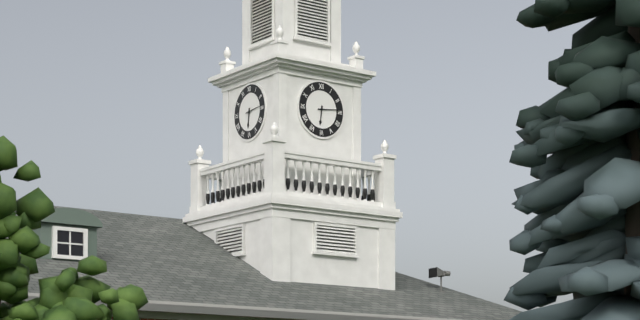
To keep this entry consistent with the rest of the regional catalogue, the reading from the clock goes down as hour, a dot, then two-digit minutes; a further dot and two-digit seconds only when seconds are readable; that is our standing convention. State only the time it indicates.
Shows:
6.14
